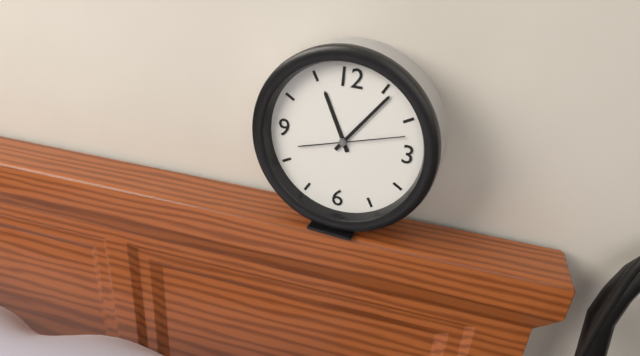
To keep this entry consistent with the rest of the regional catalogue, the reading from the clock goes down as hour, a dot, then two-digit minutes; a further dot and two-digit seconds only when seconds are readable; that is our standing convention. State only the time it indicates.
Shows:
11.06.12
